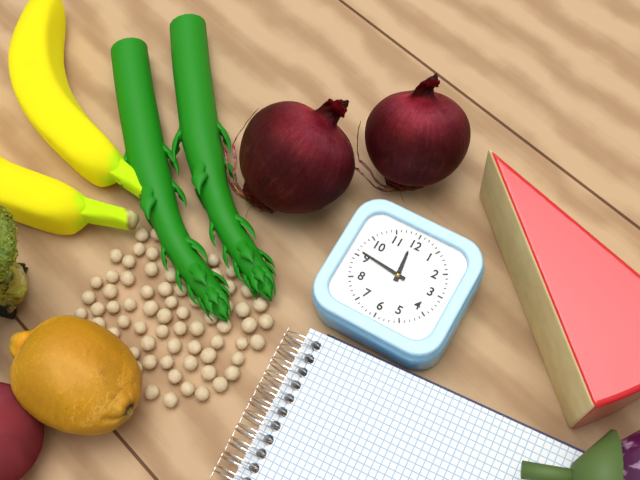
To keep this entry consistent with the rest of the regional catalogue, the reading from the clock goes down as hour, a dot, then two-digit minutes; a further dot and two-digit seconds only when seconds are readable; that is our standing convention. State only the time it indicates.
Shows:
11.46
